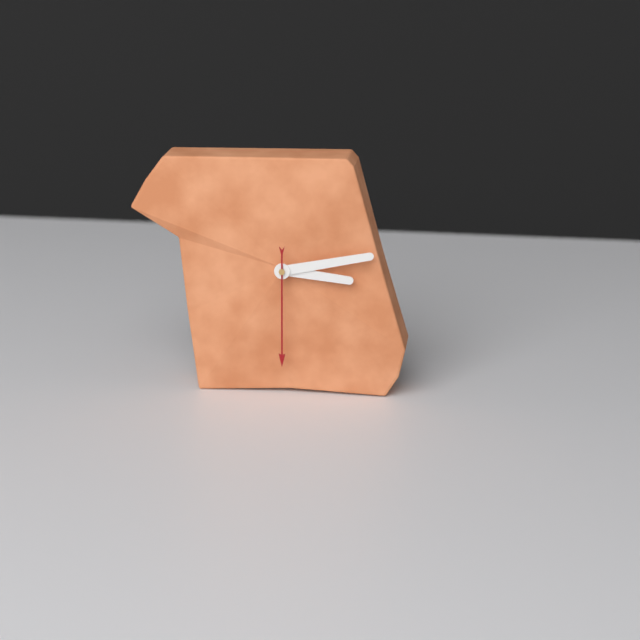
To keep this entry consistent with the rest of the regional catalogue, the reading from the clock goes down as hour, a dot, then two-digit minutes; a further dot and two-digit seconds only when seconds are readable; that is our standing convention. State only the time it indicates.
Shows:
3.13.30
